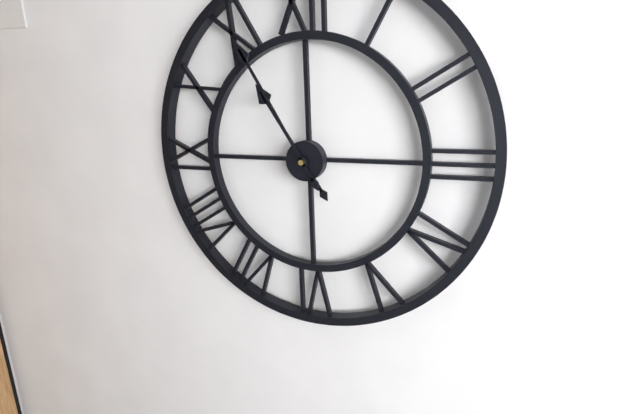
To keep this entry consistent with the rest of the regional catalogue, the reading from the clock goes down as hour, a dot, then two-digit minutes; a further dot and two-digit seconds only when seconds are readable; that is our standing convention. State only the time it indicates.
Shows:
10.55
